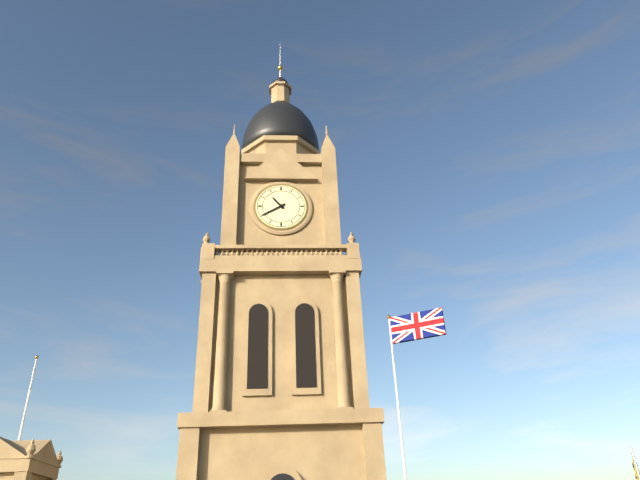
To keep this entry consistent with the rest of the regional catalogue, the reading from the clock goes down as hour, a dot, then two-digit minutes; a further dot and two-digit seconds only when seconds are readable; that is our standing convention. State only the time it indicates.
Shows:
10.40
